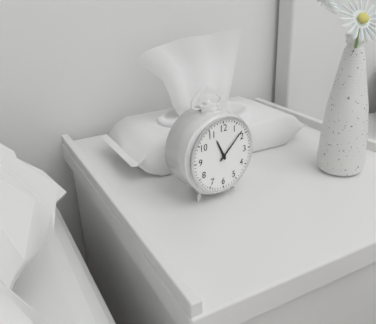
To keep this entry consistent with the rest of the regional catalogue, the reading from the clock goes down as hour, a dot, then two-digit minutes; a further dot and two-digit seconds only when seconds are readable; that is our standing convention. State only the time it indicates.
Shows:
11.08
